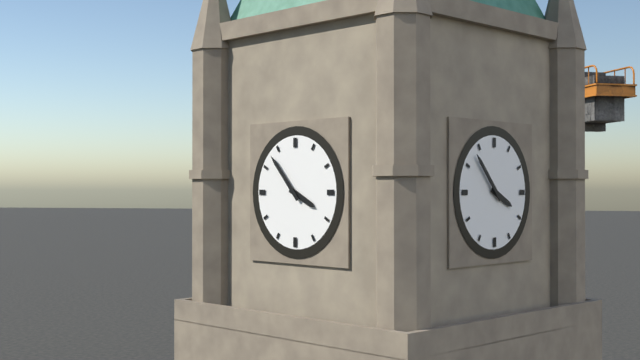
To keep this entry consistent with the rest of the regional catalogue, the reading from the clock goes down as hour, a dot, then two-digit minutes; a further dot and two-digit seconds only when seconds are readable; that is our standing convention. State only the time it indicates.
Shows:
3.53
